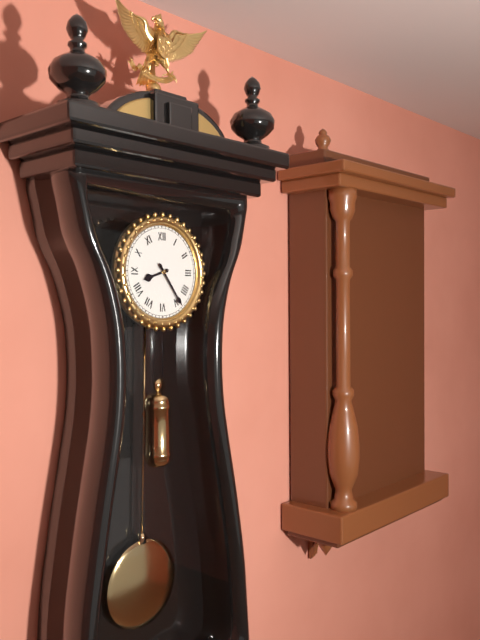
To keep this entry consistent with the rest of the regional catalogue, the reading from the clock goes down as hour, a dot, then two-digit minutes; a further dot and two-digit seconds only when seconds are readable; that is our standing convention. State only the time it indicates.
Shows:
8.24
